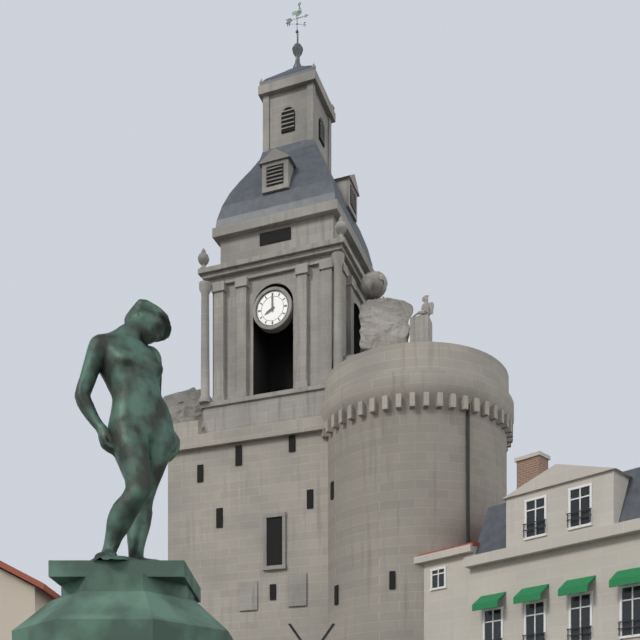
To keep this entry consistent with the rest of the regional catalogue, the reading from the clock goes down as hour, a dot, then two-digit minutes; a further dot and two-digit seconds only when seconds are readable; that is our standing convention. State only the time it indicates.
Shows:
8.00
